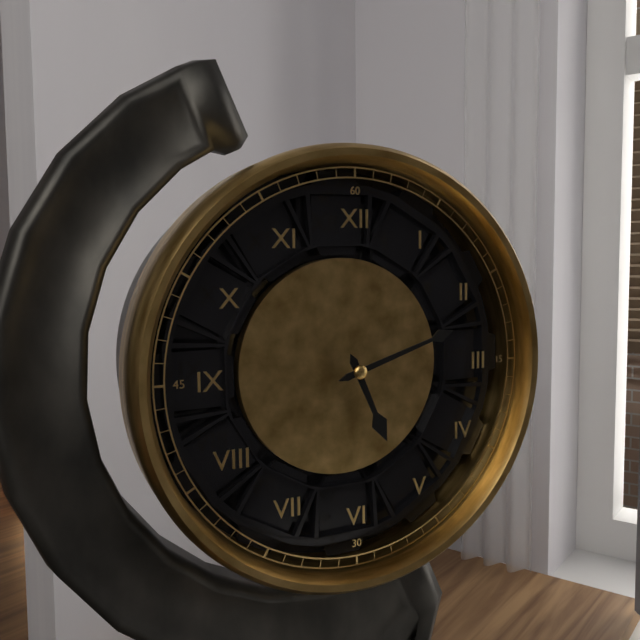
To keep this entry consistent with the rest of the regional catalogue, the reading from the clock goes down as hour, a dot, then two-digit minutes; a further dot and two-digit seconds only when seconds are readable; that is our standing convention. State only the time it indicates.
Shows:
5.12
